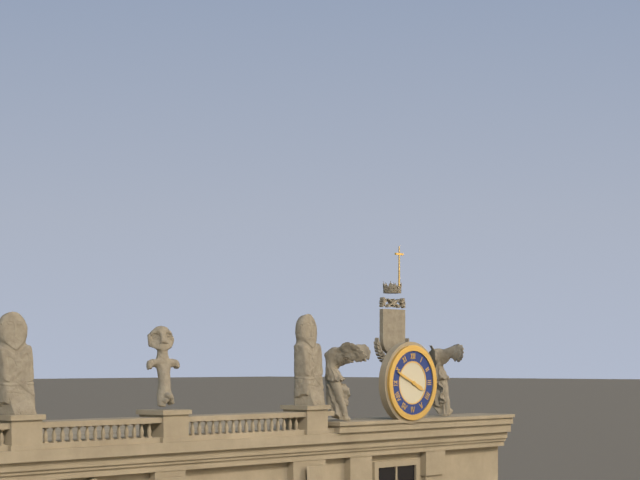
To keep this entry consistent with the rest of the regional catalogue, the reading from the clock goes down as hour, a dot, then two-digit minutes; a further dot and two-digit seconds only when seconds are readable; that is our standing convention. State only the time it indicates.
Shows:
3.49
